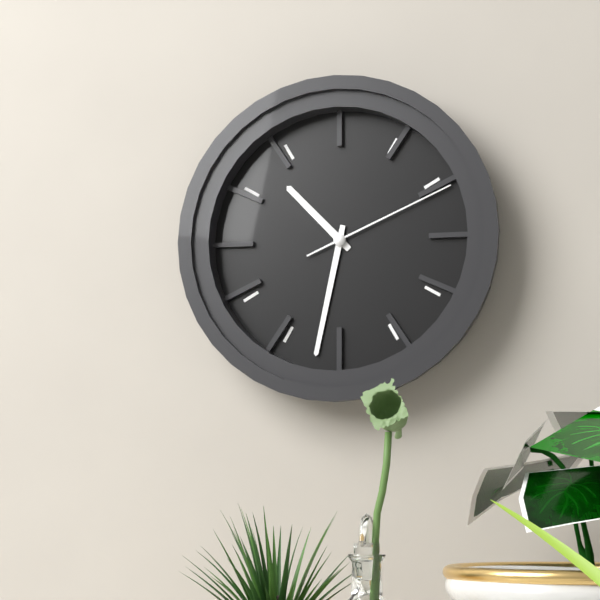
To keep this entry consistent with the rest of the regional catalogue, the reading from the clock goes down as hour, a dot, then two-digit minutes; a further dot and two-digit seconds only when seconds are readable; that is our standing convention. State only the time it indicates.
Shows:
10.32.11
